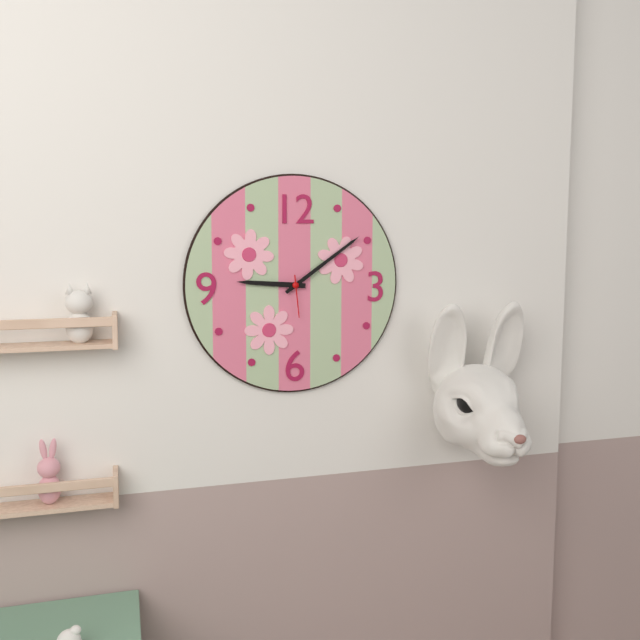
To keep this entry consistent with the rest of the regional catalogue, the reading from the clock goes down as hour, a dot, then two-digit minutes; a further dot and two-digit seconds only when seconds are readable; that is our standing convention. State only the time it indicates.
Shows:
9.09
